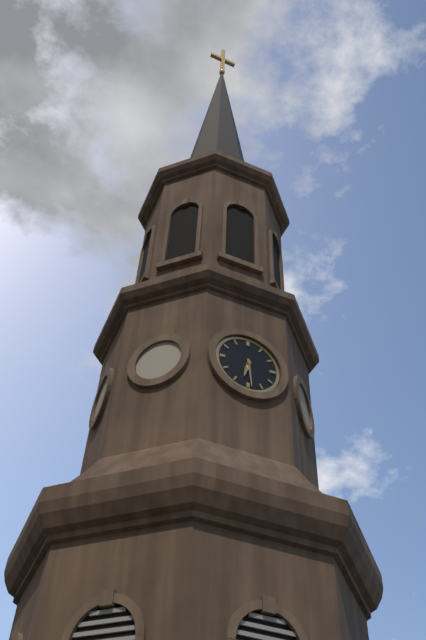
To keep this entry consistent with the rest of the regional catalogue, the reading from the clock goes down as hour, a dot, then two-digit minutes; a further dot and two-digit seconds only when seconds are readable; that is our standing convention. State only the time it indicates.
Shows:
6.29
